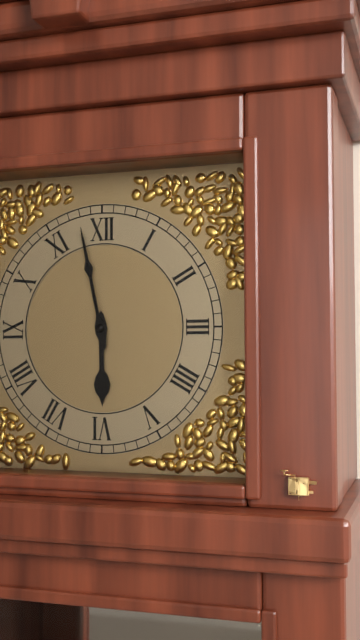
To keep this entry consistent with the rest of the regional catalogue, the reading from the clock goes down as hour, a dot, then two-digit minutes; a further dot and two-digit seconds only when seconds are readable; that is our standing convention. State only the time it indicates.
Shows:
5.58
